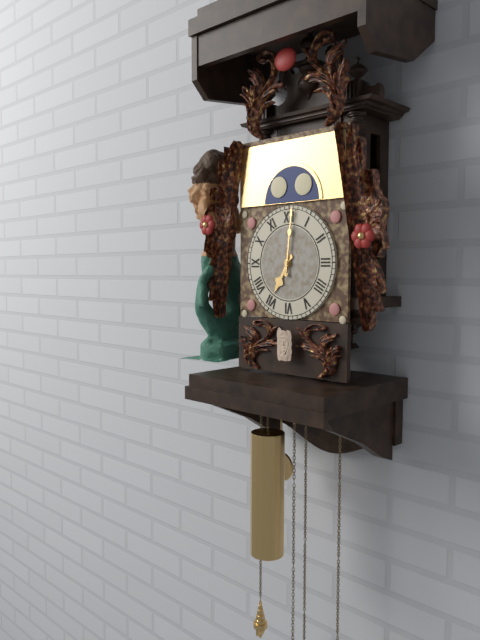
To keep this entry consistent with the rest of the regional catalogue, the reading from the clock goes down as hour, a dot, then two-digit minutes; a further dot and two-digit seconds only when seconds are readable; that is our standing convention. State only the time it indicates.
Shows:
7.01
